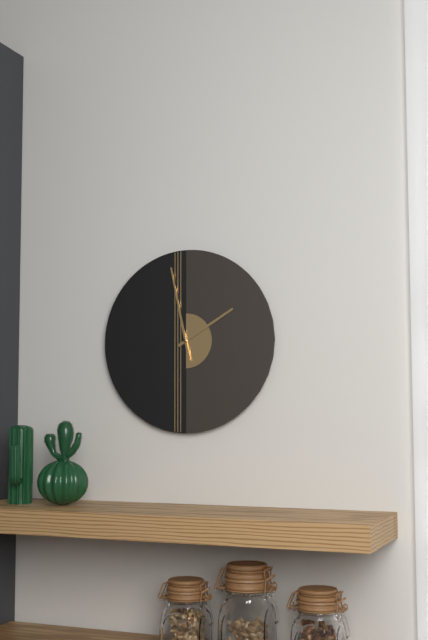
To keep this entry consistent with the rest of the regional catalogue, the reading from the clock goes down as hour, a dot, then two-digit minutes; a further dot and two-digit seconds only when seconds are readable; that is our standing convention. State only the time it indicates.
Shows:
1.58
